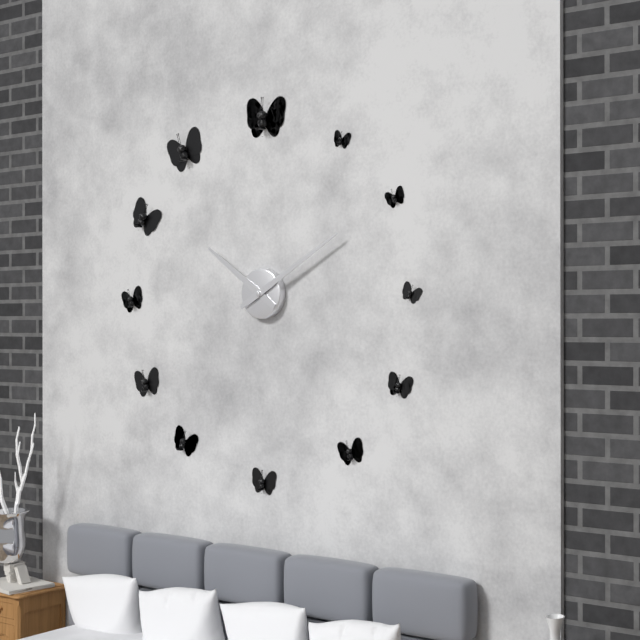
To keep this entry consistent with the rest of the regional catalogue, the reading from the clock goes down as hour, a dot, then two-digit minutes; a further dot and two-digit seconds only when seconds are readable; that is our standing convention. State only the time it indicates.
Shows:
10.10
